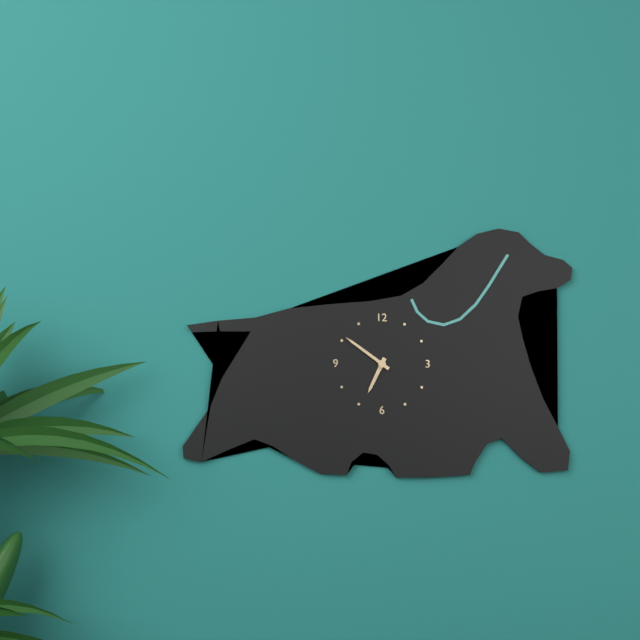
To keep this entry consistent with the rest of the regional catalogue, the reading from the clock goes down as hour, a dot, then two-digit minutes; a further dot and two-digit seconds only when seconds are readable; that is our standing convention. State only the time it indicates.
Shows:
6.51
